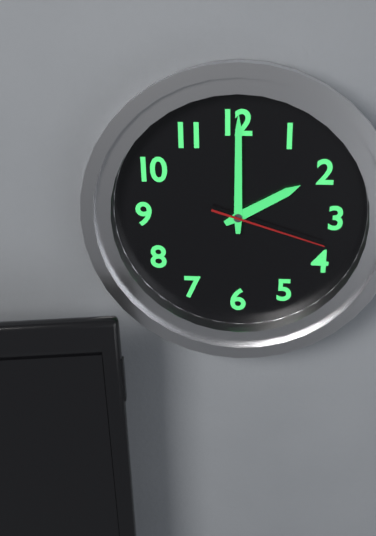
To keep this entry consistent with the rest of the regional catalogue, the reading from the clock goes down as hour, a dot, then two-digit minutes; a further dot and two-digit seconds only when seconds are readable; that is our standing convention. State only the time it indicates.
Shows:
2.00.18
